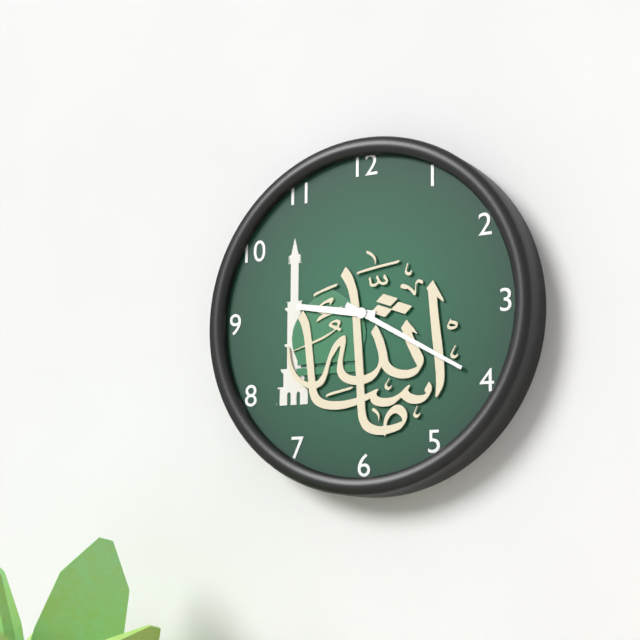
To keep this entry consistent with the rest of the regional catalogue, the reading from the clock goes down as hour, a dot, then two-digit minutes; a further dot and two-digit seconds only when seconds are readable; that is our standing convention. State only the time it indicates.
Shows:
9.20
